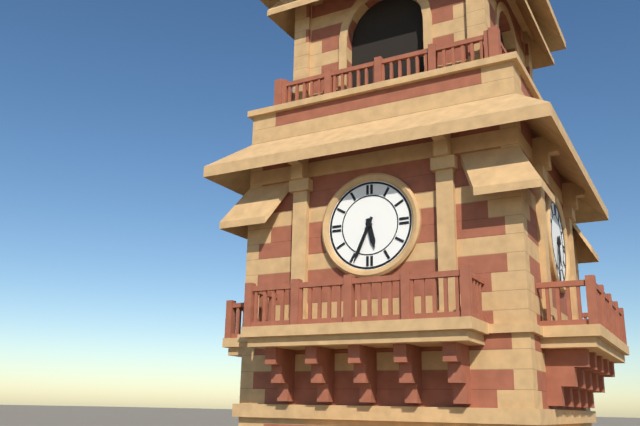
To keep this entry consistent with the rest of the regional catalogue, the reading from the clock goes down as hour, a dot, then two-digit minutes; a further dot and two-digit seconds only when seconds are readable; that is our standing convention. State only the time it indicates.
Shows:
5.34
